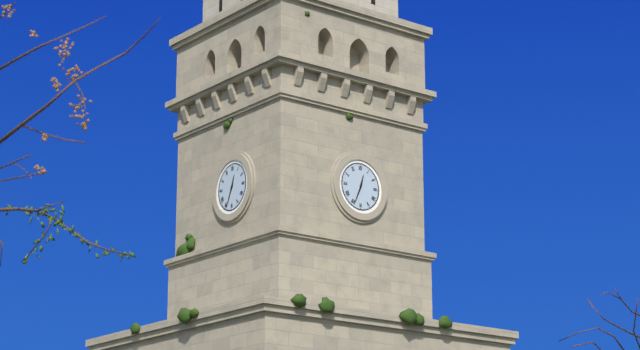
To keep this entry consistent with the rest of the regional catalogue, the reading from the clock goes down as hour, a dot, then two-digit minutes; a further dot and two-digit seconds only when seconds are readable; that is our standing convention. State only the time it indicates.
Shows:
12.34
